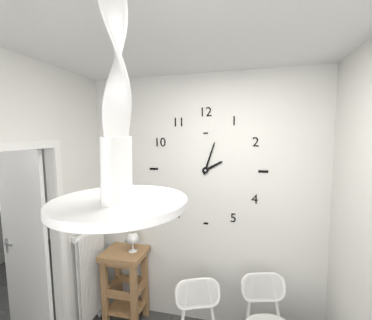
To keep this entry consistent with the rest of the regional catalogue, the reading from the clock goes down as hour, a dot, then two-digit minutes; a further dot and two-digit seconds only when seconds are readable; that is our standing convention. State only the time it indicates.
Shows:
2.03
